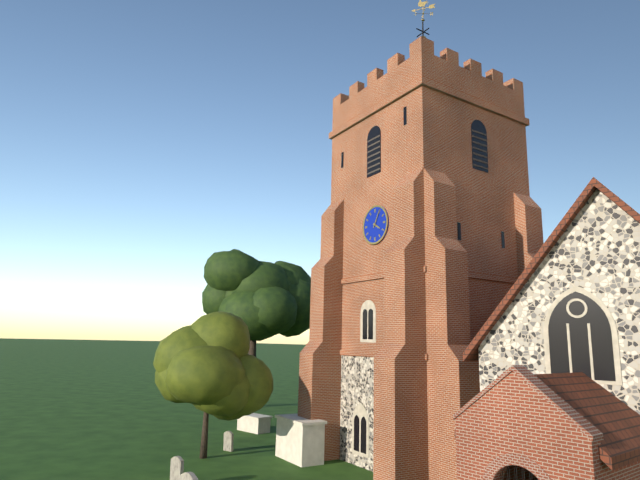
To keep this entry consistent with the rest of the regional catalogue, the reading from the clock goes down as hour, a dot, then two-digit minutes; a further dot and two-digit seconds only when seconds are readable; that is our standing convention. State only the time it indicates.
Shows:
4.05
